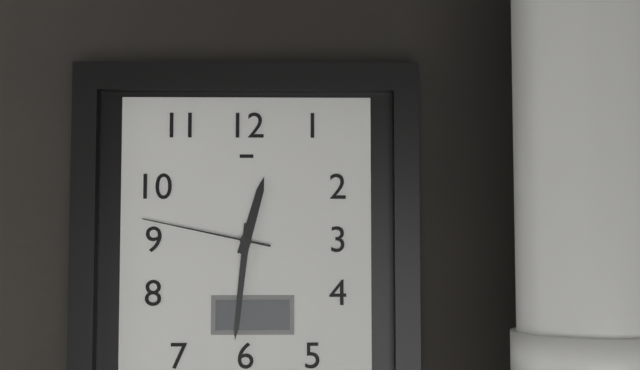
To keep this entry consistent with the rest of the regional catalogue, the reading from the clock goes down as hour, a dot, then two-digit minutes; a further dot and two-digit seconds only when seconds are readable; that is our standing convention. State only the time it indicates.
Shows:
12.31.47
